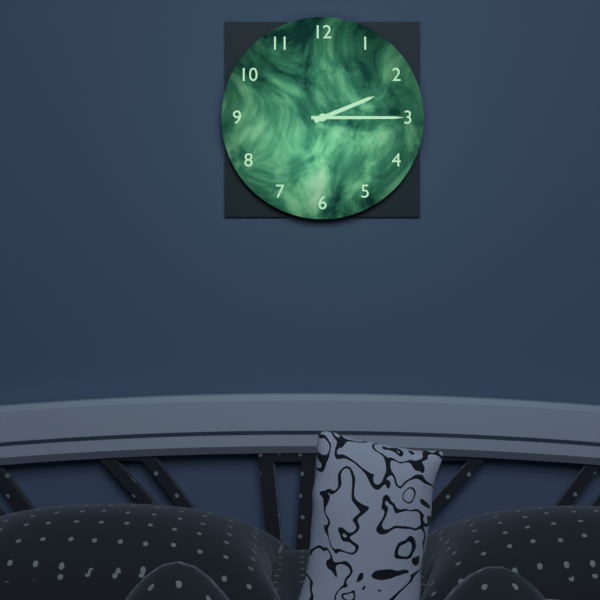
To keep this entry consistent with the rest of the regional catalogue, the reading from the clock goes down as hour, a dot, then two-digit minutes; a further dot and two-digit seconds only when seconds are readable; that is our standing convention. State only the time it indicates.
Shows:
2.15
